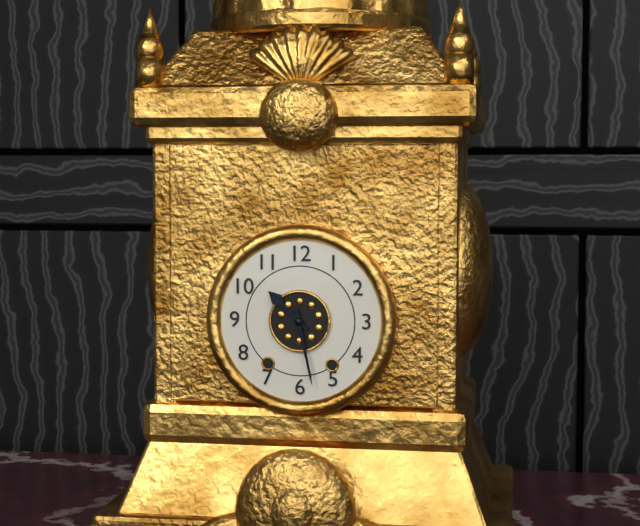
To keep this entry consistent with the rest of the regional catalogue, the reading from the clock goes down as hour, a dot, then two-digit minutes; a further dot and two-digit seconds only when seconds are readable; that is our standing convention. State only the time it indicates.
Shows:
10.28
